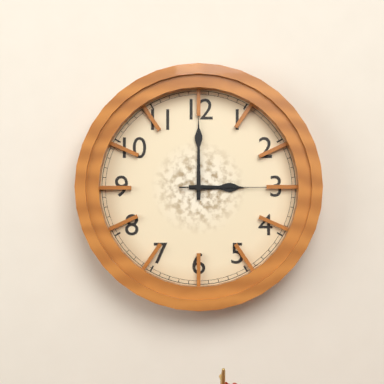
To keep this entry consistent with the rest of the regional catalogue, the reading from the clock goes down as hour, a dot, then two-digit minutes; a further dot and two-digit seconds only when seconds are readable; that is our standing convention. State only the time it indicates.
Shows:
3.00.15
